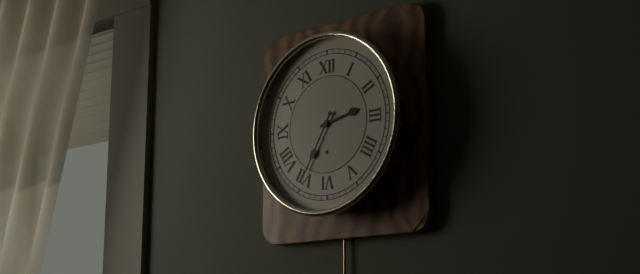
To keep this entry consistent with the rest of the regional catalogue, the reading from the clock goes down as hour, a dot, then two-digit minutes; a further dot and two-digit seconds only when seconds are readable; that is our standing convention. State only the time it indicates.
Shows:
2.35
